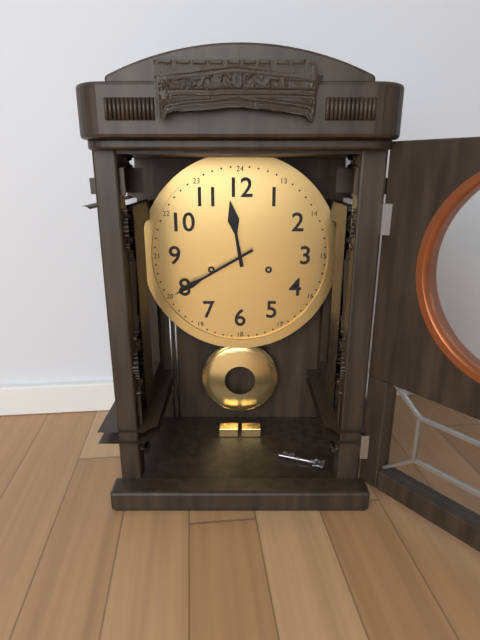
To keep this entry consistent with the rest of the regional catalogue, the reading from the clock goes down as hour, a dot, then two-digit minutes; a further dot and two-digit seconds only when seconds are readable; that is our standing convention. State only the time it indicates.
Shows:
11.40
